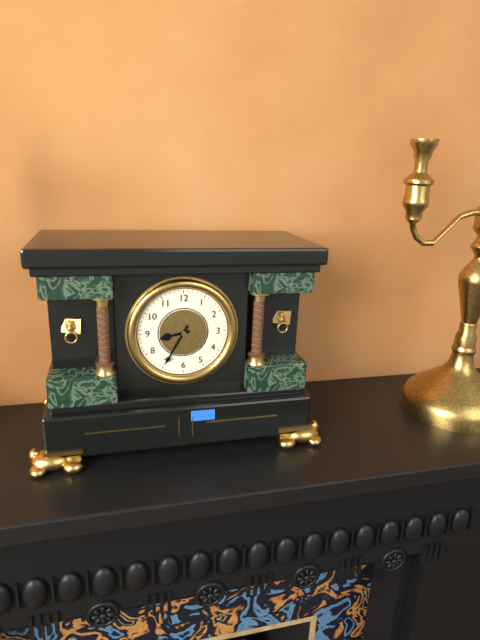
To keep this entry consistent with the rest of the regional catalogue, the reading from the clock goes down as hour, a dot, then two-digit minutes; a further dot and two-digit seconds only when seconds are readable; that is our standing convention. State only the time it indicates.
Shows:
8.35
